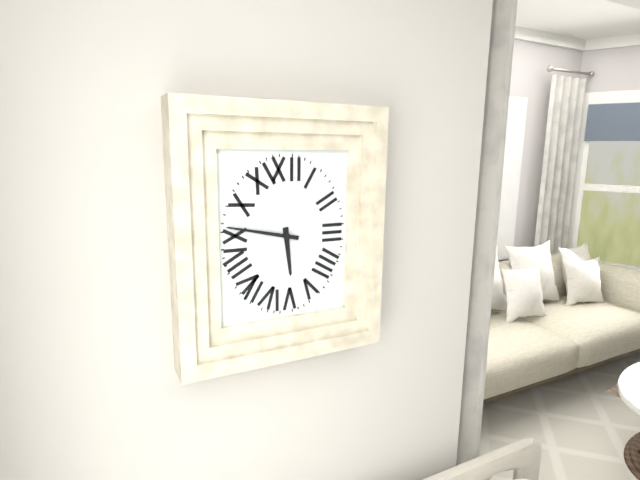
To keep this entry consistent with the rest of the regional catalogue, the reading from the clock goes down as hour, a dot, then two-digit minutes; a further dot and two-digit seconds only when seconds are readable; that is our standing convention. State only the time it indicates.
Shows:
5.47
